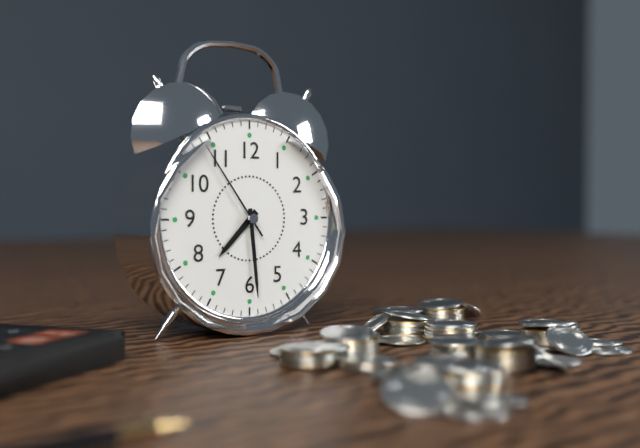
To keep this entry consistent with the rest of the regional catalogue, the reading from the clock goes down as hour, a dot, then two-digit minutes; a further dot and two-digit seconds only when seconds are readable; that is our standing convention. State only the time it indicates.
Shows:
7.29.54
